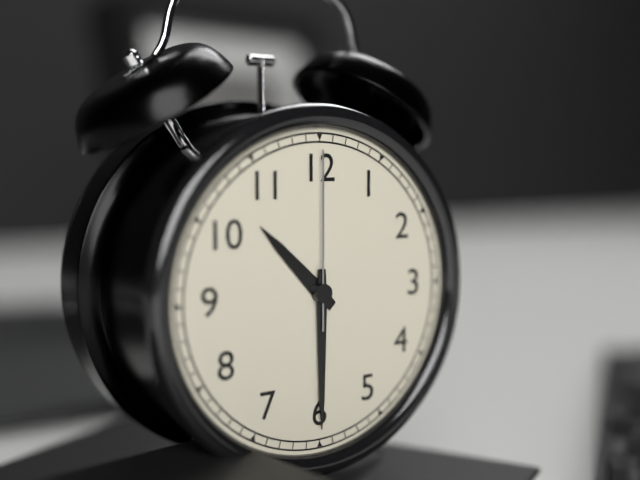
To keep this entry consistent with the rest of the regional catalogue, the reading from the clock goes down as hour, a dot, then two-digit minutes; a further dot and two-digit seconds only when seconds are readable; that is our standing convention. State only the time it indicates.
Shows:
10.30.00
